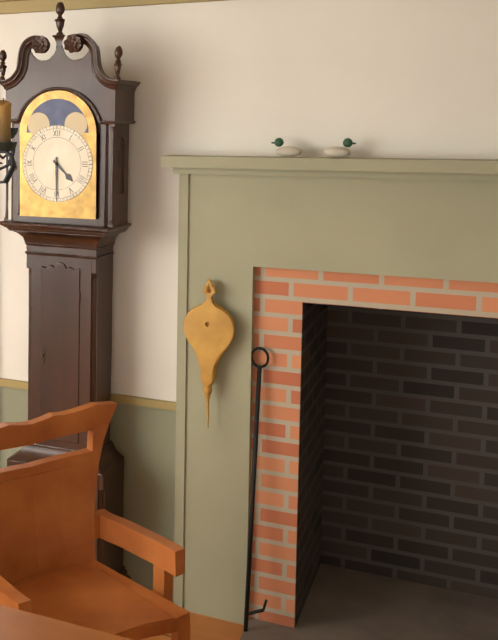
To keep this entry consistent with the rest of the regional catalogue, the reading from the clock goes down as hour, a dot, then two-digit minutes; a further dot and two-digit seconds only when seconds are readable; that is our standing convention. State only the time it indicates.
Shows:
4.30
